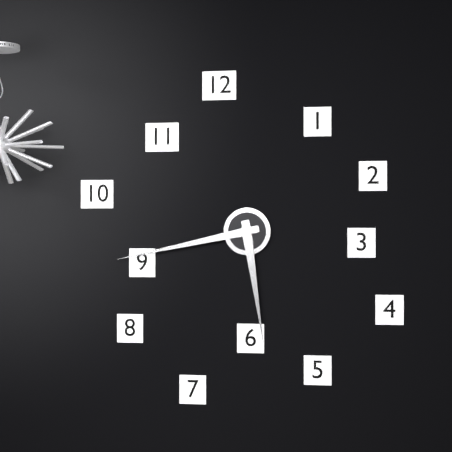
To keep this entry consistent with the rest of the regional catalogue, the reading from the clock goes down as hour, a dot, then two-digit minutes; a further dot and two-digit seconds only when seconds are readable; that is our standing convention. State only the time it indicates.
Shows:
5.43
